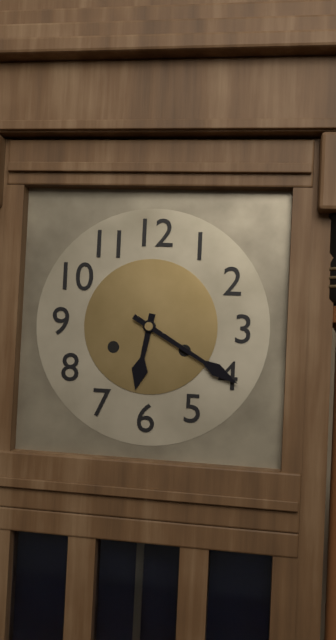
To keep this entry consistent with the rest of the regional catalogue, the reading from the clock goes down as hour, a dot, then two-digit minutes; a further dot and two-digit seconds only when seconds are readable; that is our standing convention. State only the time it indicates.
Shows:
6.20
